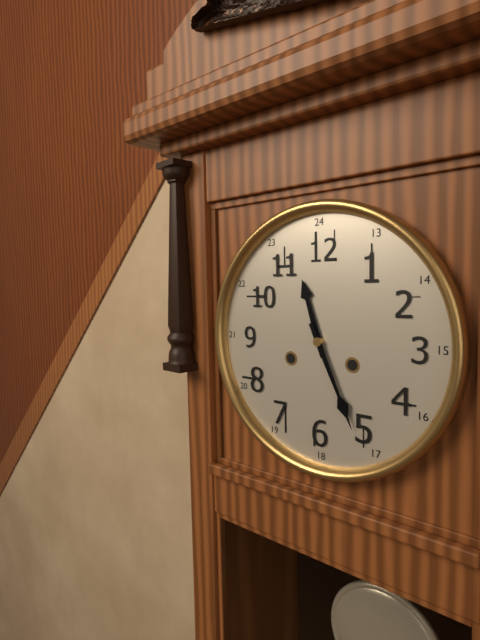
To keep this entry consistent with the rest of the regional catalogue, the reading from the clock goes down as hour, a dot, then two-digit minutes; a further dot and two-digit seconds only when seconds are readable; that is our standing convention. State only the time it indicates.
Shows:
11.26
